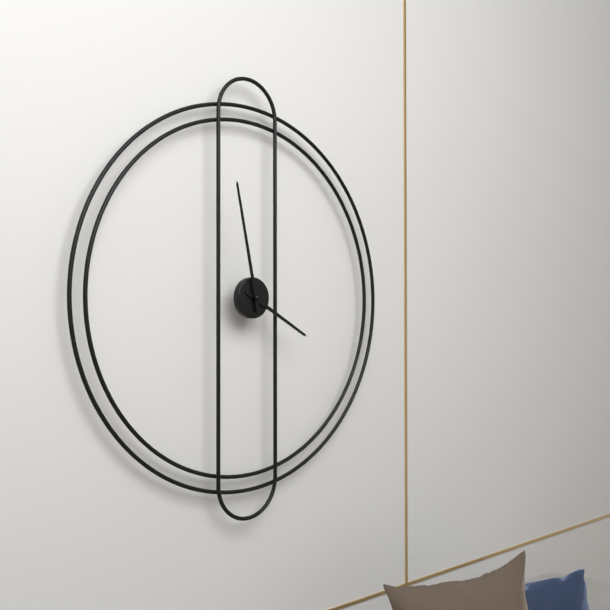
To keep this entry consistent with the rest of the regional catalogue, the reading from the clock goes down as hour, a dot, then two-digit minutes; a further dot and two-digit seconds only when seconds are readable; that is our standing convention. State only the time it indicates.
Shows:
3.58
